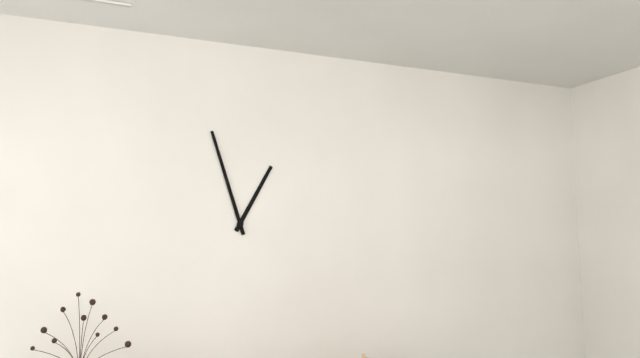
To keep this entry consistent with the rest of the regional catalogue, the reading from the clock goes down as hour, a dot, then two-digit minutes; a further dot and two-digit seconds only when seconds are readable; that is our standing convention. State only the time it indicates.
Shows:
12.57
